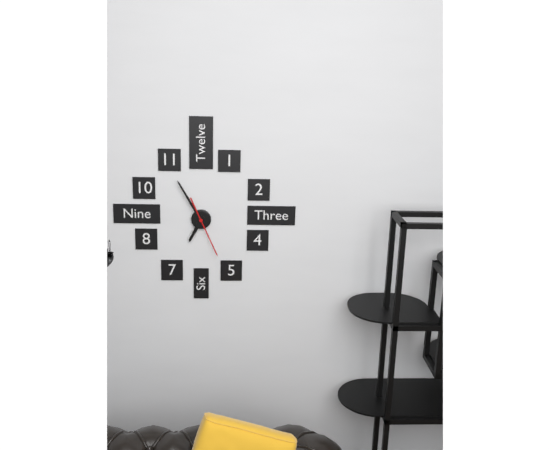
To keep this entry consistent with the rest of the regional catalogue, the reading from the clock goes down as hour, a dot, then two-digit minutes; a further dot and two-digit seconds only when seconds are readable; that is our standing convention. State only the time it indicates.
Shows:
6.55.26
